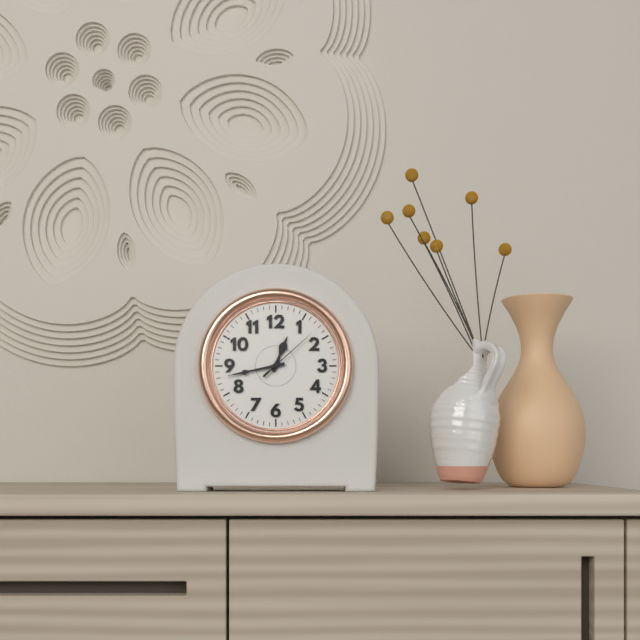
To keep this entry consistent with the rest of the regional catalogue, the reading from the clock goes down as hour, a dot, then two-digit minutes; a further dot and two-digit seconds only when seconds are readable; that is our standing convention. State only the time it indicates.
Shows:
12.43.08
